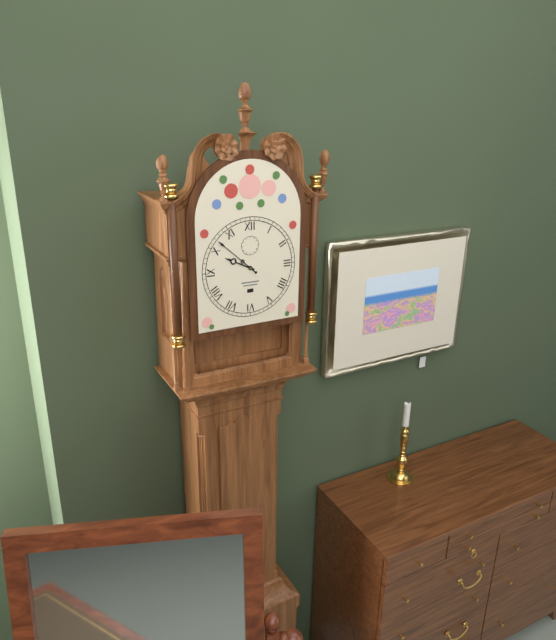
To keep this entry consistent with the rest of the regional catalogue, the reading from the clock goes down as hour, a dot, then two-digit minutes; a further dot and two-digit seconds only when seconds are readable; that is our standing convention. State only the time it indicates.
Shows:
9.52
